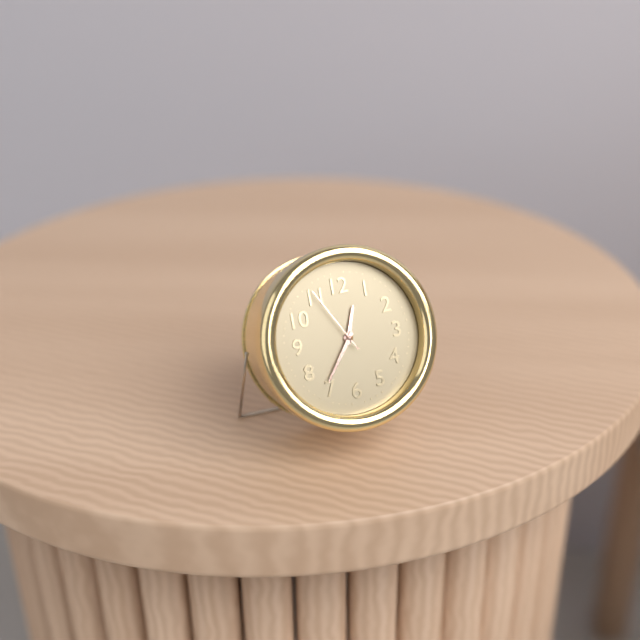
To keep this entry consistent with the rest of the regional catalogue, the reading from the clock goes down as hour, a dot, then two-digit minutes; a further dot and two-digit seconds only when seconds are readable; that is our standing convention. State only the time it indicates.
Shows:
12.36.55
